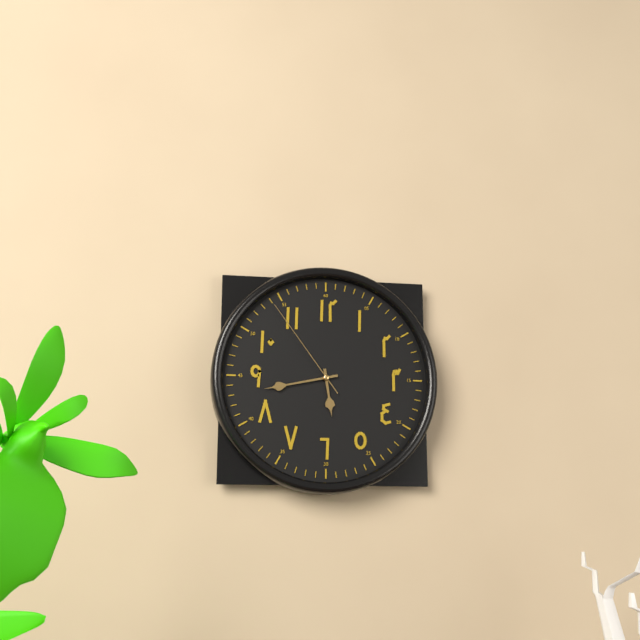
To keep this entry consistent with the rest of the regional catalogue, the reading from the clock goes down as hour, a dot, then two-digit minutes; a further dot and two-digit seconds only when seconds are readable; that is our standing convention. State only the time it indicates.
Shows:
5.43.54
